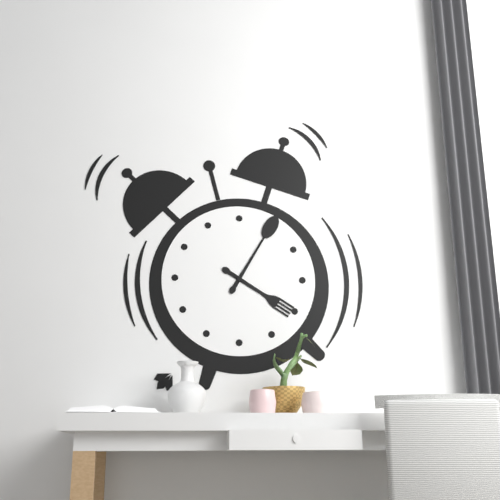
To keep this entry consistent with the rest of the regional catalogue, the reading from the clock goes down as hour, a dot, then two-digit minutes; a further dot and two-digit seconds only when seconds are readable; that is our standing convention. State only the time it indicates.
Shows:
4.05
